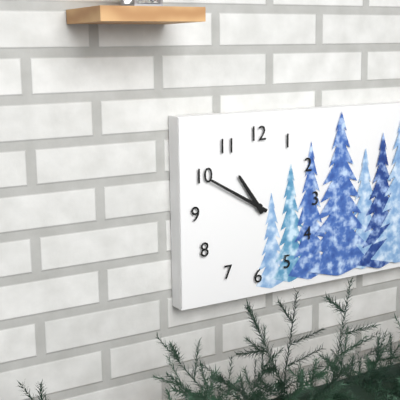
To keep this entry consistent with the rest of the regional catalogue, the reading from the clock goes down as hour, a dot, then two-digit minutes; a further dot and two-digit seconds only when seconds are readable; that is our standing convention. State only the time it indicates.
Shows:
10.50
